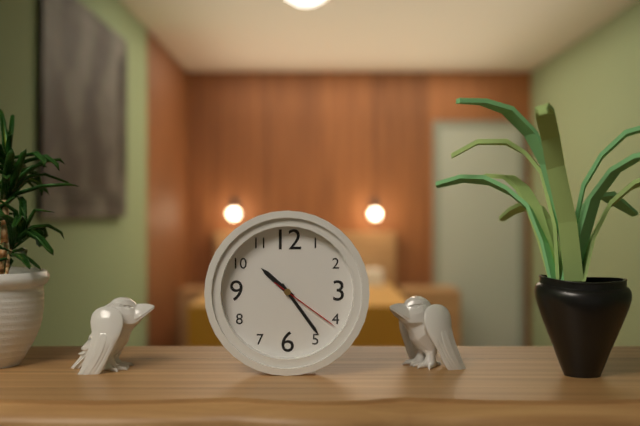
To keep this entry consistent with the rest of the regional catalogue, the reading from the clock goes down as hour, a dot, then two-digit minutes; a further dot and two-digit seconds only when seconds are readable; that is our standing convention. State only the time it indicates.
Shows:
10.24.21
